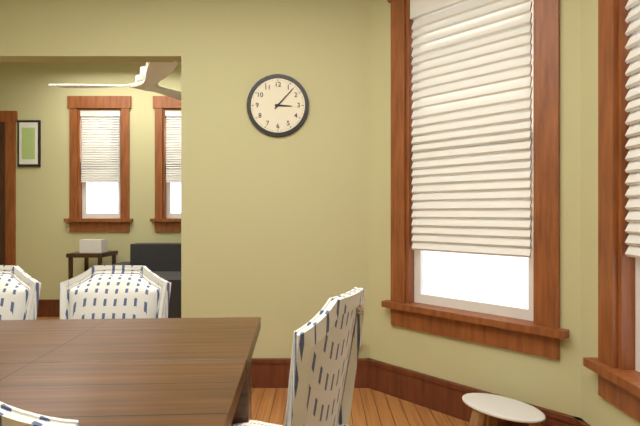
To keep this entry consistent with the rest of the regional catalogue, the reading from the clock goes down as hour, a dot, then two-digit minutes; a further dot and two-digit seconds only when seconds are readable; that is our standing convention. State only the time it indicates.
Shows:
3.07
